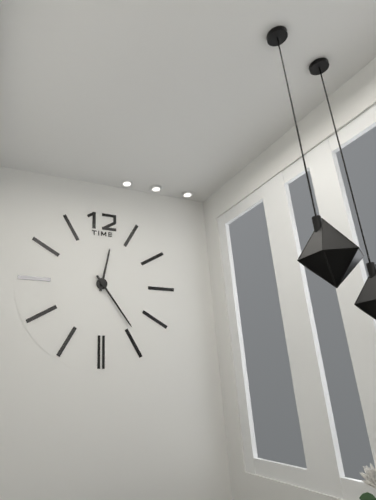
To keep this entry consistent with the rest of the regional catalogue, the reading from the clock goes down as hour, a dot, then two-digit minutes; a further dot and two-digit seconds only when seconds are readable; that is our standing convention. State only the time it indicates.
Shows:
12.24
